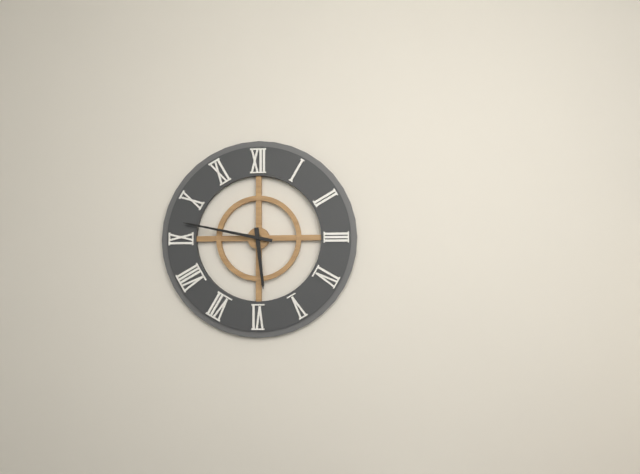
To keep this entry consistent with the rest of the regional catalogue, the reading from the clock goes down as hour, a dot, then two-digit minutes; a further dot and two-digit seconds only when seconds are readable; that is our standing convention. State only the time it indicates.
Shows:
5.47
